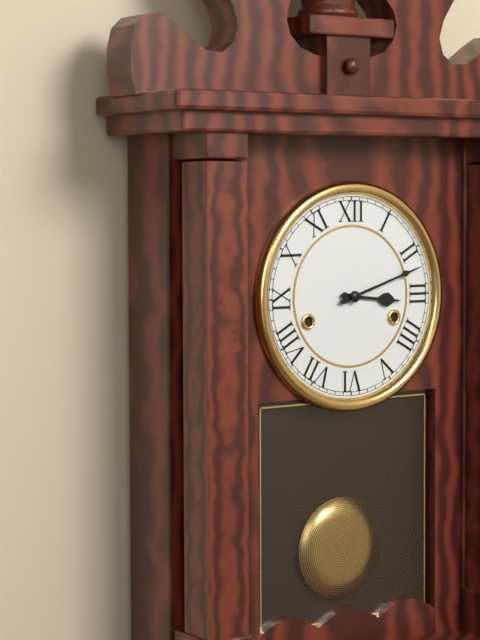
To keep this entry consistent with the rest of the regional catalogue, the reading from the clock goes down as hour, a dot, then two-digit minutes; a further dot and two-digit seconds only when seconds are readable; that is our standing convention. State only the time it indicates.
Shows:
3.12
